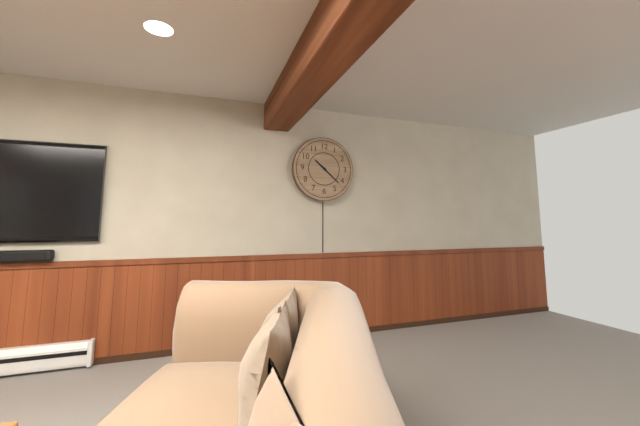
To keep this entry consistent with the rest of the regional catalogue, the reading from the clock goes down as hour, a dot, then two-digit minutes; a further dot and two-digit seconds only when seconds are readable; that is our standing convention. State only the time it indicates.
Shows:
10.22
